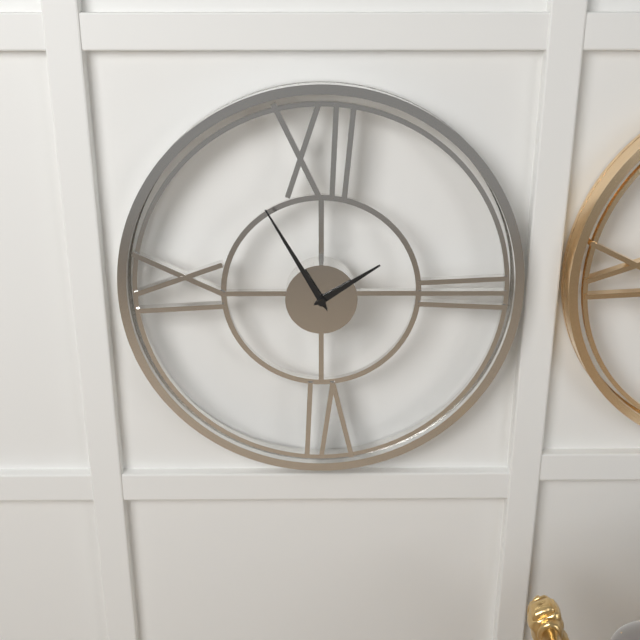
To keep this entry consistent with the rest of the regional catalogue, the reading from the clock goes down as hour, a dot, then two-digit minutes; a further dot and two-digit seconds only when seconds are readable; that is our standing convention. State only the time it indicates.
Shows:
1.55
